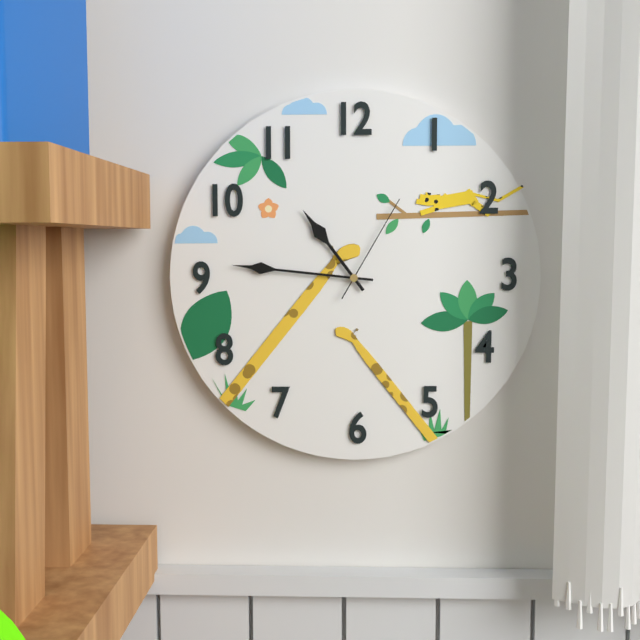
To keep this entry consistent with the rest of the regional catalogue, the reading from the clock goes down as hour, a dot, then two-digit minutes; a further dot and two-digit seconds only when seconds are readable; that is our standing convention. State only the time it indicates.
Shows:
10.46.05
